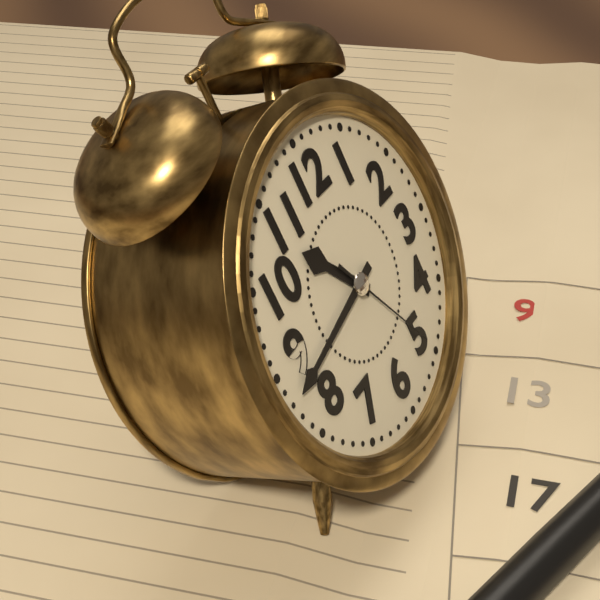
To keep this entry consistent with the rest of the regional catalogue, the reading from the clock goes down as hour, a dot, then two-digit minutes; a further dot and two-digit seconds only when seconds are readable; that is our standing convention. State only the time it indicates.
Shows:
10.43.25
